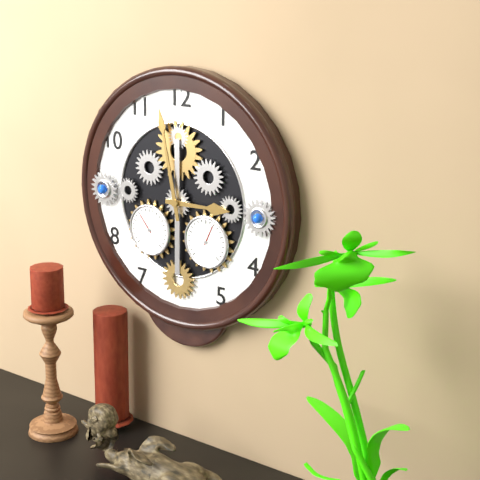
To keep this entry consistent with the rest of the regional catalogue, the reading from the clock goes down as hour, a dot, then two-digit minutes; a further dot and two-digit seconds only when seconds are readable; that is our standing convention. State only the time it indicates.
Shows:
2.58
